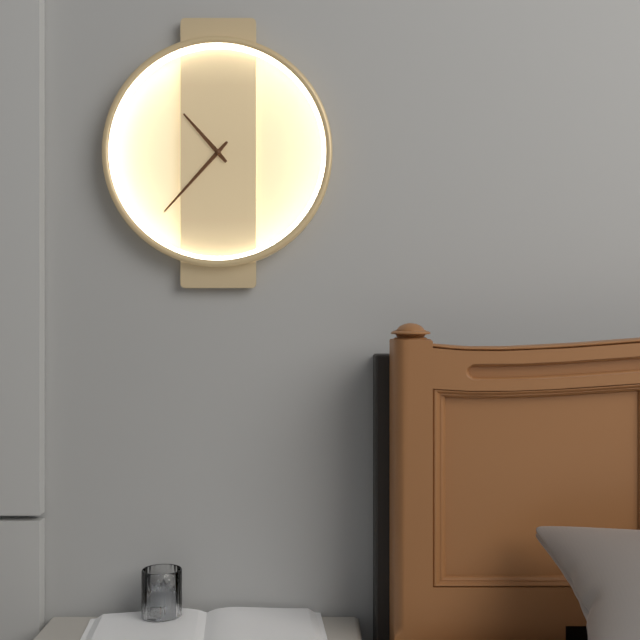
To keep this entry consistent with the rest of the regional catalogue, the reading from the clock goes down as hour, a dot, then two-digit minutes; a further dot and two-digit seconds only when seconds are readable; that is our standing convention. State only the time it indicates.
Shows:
10.37
